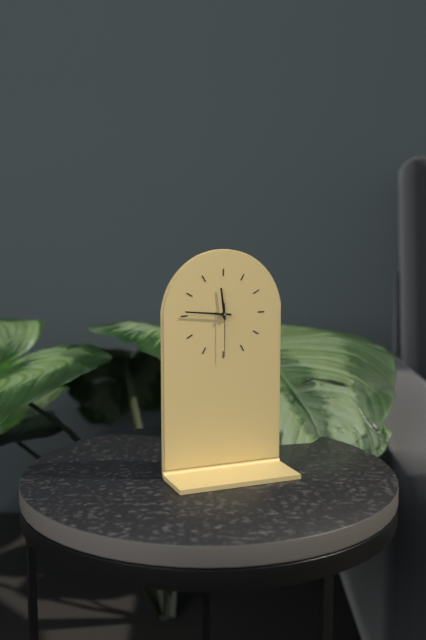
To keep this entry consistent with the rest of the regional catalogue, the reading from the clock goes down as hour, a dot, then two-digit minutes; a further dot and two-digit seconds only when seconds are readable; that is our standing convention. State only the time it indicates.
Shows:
11.46.30
